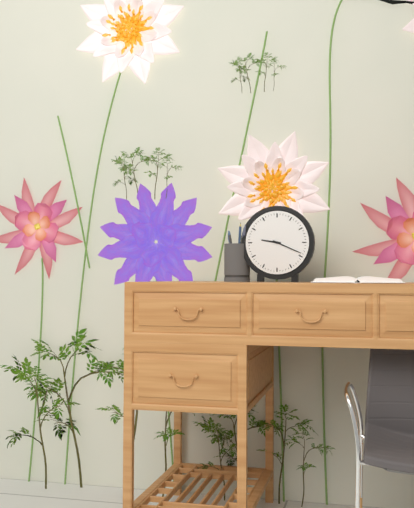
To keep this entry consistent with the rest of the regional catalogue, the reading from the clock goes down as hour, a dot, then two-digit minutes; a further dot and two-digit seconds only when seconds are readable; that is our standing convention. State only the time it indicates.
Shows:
9.19
